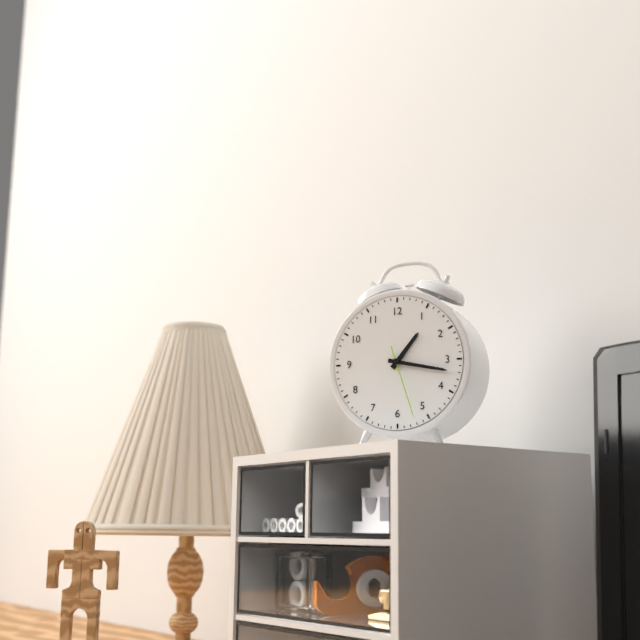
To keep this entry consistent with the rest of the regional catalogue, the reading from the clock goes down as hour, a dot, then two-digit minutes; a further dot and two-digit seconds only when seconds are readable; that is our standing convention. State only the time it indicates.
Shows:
1.17.27
